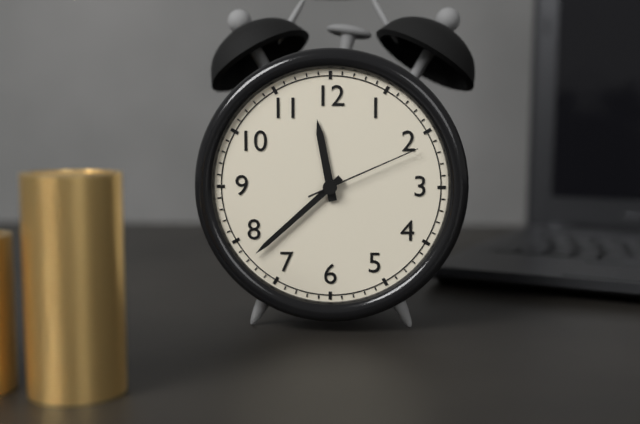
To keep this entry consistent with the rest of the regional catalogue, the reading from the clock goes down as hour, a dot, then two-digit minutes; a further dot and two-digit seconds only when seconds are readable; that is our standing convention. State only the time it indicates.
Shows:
11.38.11
